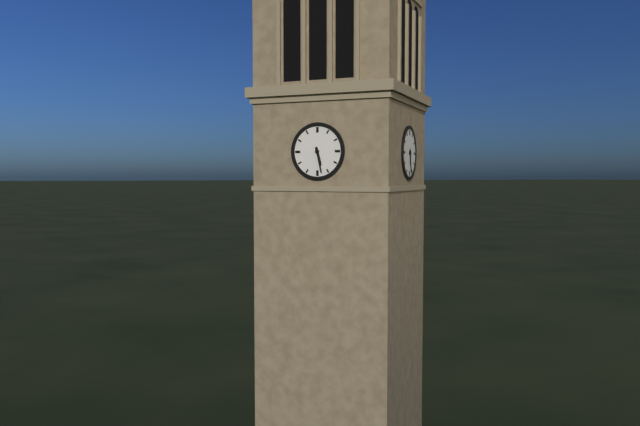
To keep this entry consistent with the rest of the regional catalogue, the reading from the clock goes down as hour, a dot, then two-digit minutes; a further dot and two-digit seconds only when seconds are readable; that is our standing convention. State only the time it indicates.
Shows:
5.28
